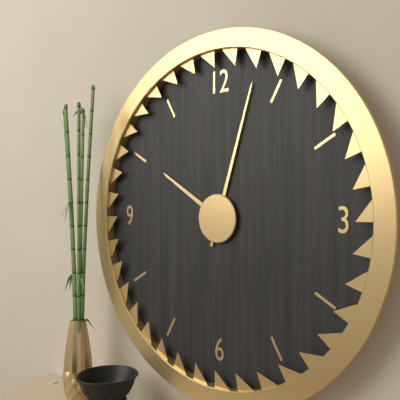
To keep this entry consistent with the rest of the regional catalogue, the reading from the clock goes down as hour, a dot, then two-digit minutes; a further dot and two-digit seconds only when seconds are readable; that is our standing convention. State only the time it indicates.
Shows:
10.03
